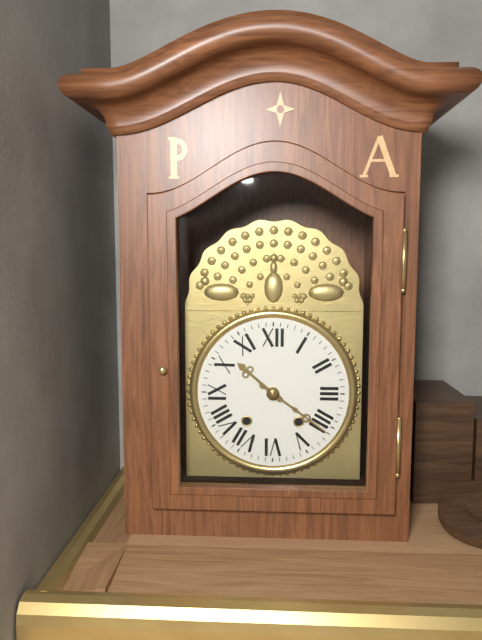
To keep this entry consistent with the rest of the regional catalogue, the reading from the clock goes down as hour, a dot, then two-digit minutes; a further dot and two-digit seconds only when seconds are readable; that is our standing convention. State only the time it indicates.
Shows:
10.21
